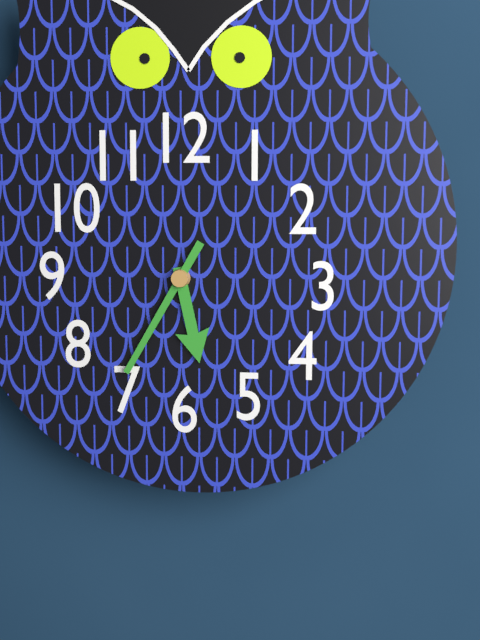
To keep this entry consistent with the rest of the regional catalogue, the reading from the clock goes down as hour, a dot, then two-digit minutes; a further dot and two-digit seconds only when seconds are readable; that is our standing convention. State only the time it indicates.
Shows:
5.35
